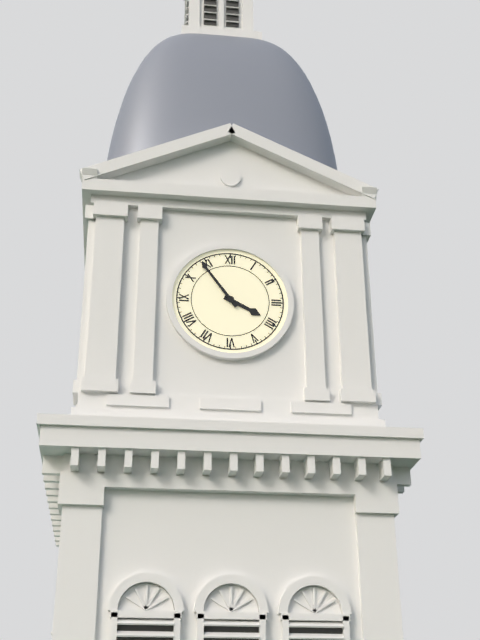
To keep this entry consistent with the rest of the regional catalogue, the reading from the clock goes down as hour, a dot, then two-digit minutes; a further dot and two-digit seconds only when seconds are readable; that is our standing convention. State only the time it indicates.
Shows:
3.54
